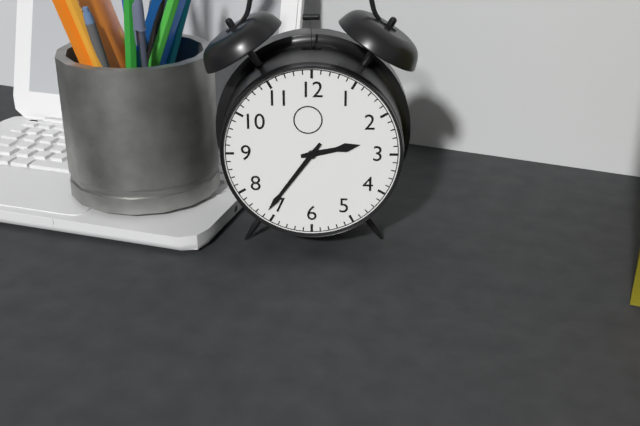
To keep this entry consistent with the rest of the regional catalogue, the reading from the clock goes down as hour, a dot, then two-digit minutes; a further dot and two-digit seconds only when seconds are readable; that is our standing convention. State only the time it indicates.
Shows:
2.36
